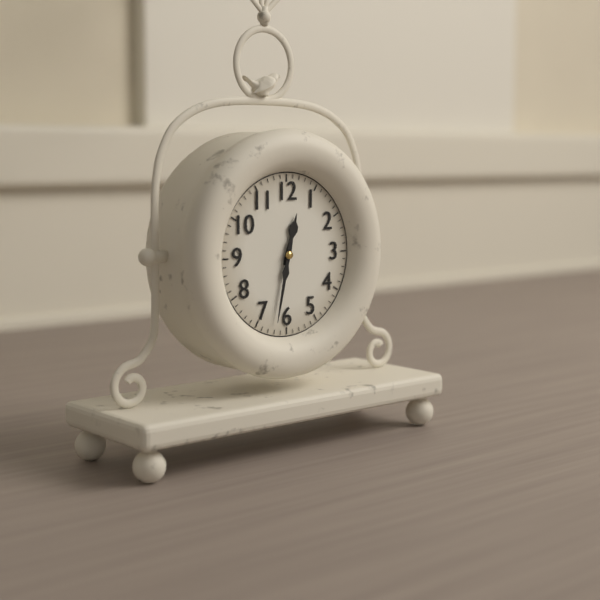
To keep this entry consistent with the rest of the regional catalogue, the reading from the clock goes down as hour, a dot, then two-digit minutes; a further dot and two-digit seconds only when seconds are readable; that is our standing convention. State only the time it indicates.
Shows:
12.32
